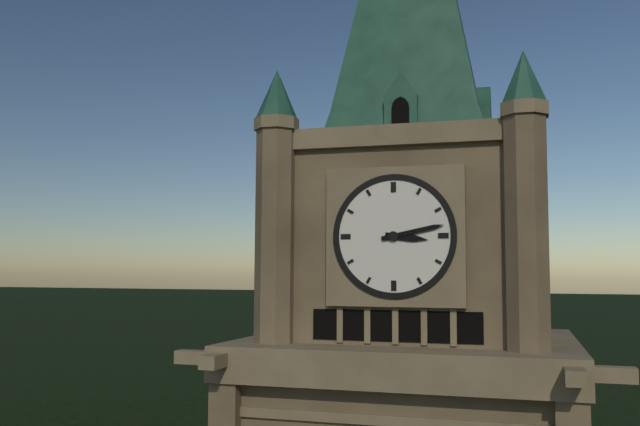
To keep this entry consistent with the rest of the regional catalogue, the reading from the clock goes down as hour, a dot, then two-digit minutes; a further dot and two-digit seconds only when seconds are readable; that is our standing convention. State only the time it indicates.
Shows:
3.13
